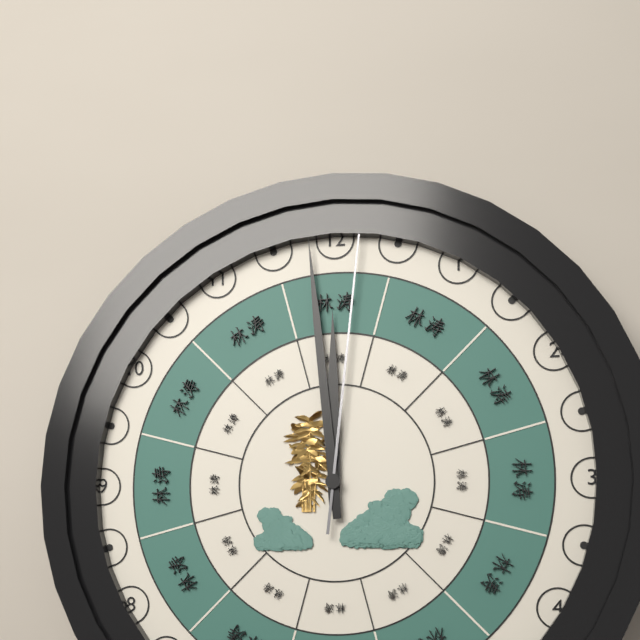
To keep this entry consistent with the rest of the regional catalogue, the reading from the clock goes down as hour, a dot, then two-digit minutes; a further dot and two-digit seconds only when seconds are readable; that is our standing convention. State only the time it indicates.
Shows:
11.59.01
